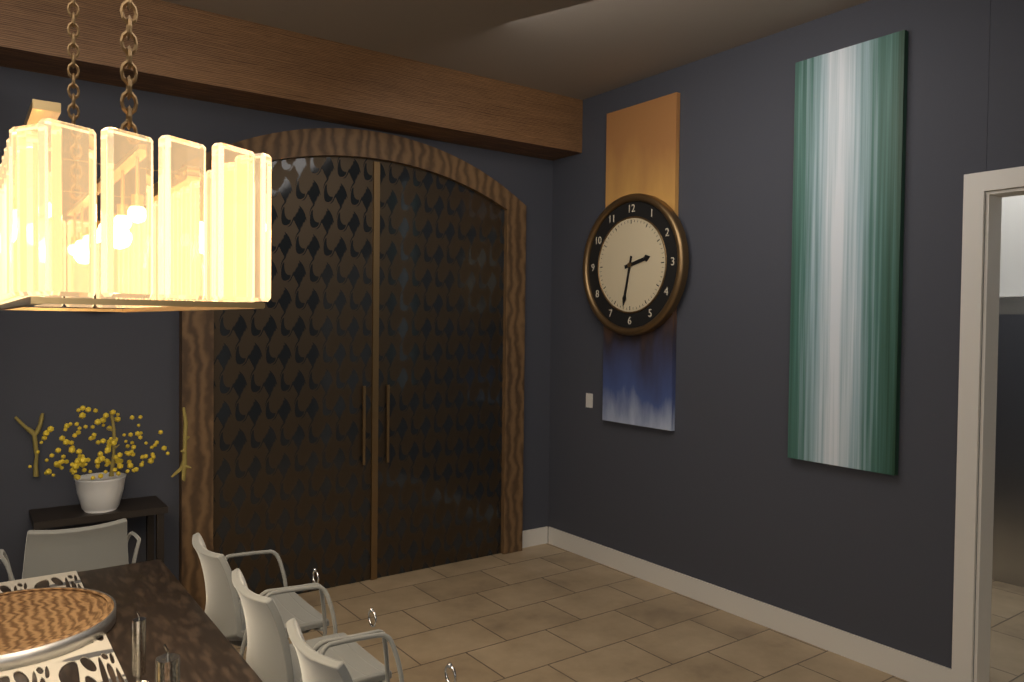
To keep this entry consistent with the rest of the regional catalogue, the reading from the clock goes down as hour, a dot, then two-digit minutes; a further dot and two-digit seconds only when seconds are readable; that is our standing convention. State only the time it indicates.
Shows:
2.32
